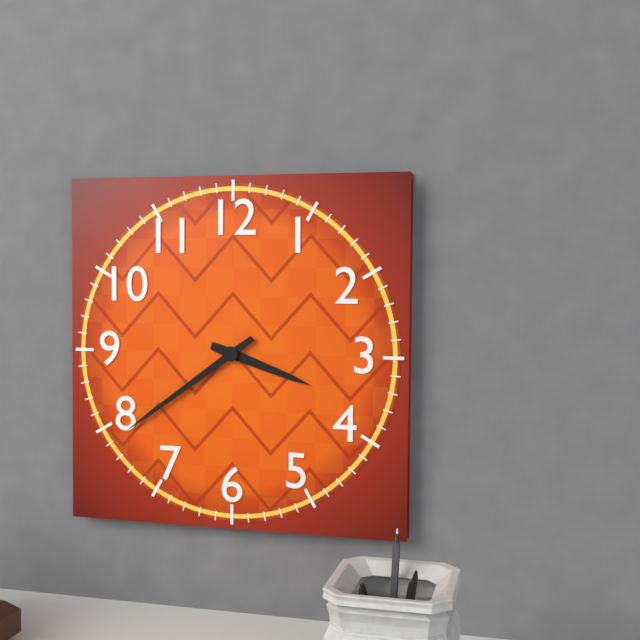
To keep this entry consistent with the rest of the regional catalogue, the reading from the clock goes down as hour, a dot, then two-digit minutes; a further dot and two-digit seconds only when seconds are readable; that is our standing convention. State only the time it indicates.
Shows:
3.39
